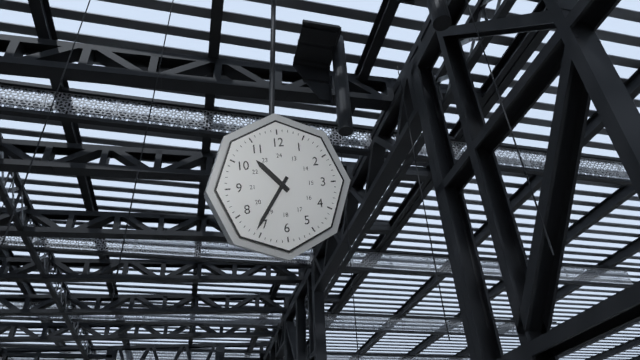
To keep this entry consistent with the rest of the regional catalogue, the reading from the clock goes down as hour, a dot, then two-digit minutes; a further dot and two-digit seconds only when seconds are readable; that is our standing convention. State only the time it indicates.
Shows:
10.36
